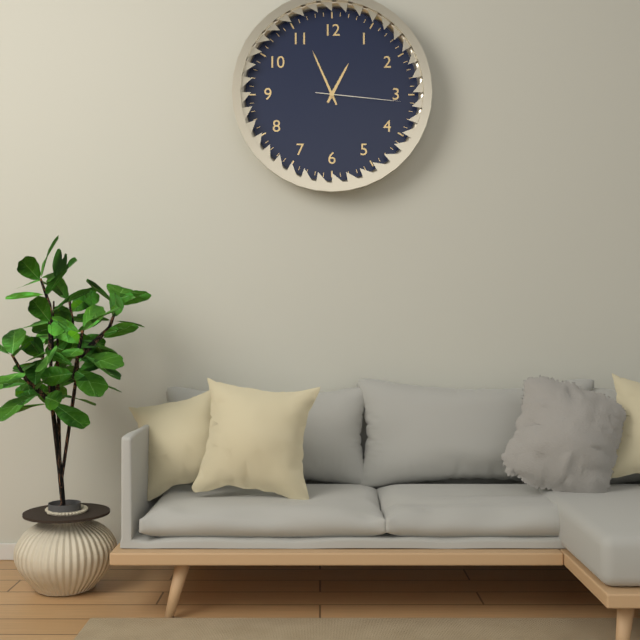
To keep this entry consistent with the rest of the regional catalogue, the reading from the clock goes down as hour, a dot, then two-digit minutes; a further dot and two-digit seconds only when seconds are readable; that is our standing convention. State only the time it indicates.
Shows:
12.56.16
